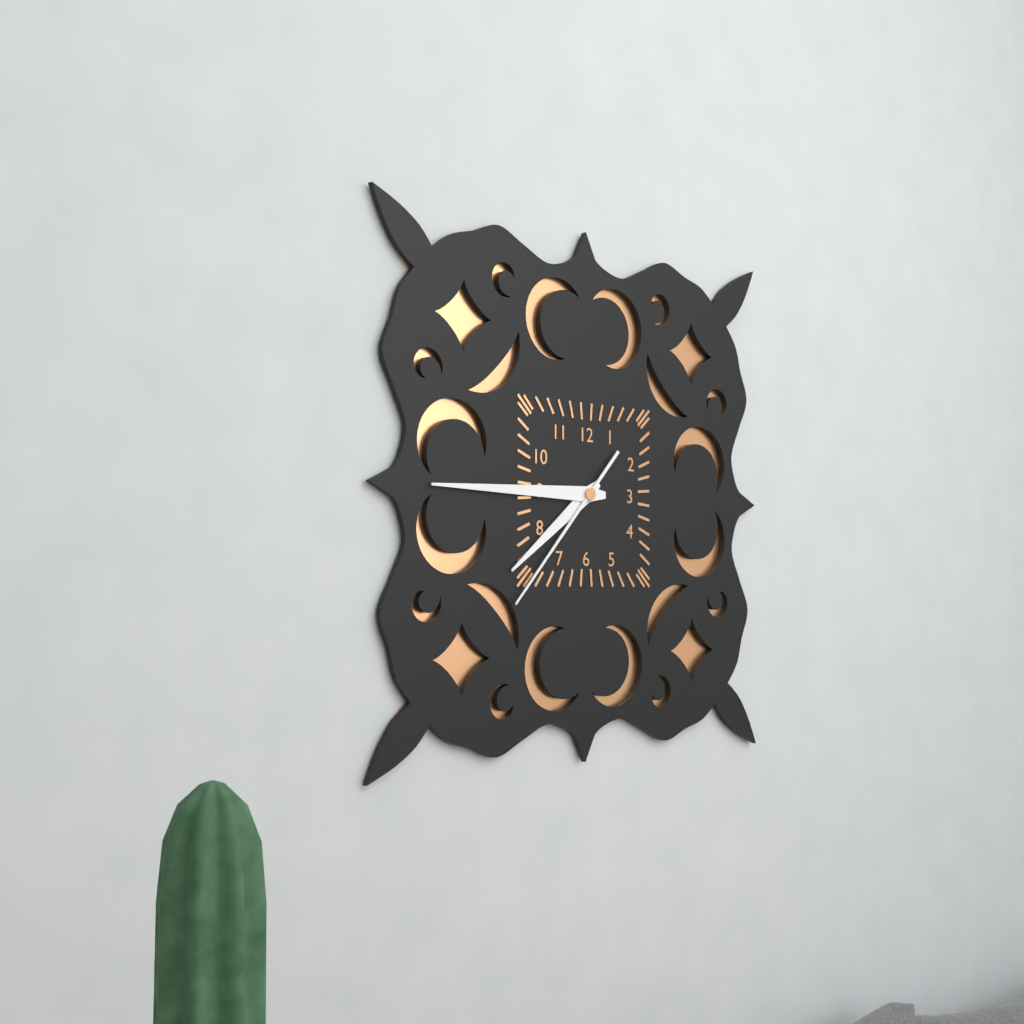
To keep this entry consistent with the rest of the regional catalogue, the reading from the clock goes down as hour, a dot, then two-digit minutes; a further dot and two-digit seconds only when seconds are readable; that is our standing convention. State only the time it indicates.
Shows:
7.45.37
